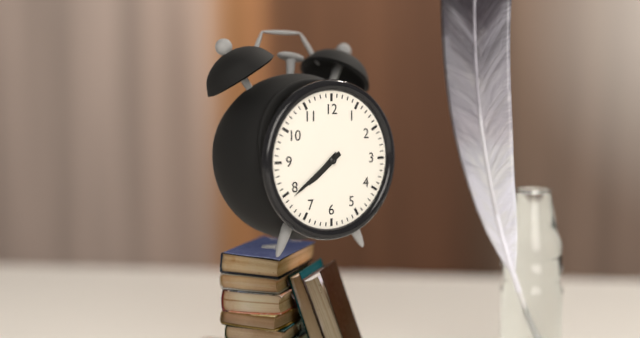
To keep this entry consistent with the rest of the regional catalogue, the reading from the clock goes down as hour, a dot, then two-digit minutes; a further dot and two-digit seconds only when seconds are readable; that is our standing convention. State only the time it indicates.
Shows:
7.39
